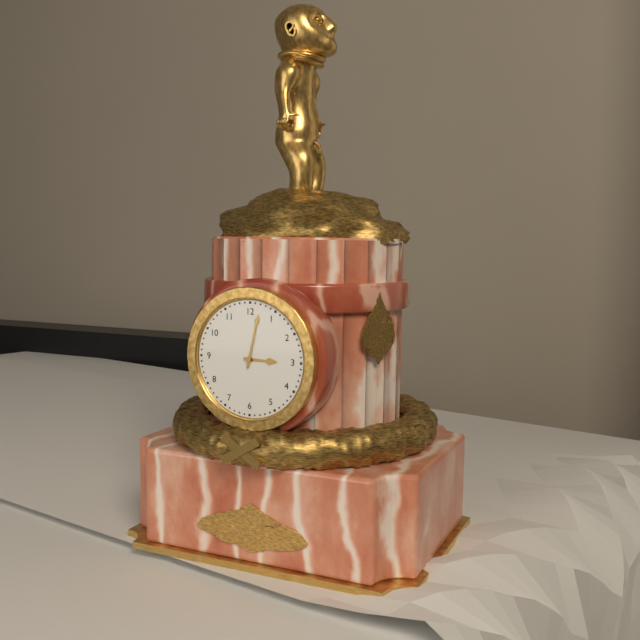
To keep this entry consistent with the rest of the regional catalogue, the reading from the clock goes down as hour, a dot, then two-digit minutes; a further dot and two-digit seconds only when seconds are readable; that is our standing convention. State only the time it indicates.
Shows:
3.02
